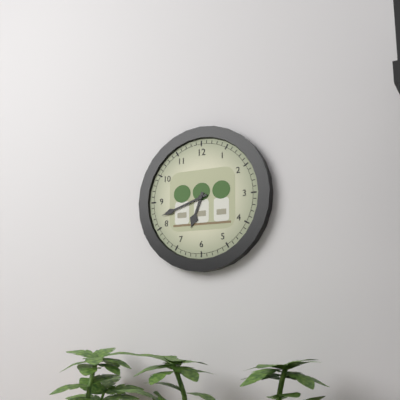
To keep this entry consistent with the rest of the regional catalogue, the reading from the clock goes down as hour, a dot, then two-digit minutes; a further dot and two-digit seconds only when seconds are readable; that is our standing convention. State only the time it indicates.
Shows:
6.42
